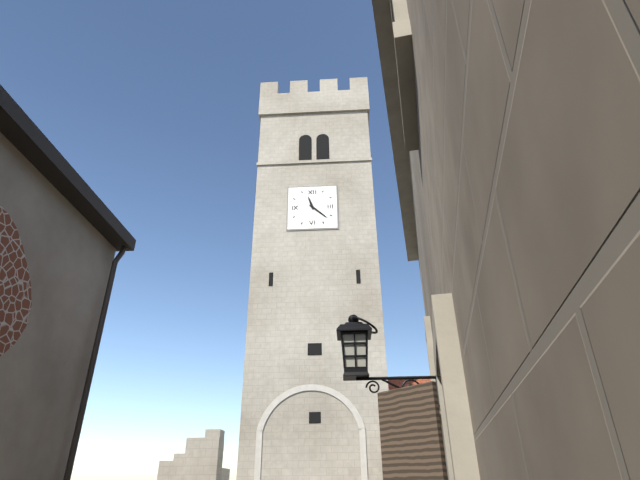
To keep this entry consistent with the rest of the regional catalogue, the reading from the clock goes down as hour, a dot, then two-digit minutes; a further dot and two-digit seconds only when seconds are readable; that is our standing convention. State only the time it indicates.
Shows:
11.22
